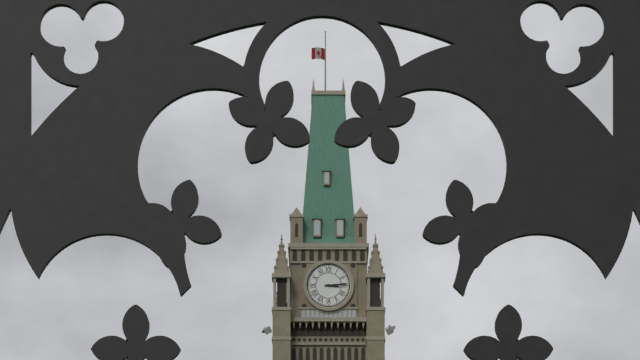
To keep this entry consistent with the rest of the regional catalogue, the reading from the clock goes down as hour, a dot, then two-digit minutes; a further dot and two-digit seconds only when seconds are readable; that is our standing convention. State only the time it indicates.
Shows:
3.14
